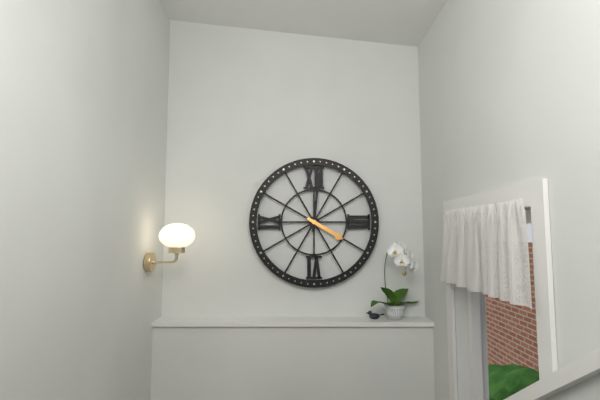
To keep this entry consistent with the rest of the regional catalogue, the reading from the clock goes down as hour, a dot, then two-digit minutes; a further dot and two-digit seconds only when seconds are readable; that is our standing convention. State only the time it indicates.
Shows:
4.01
